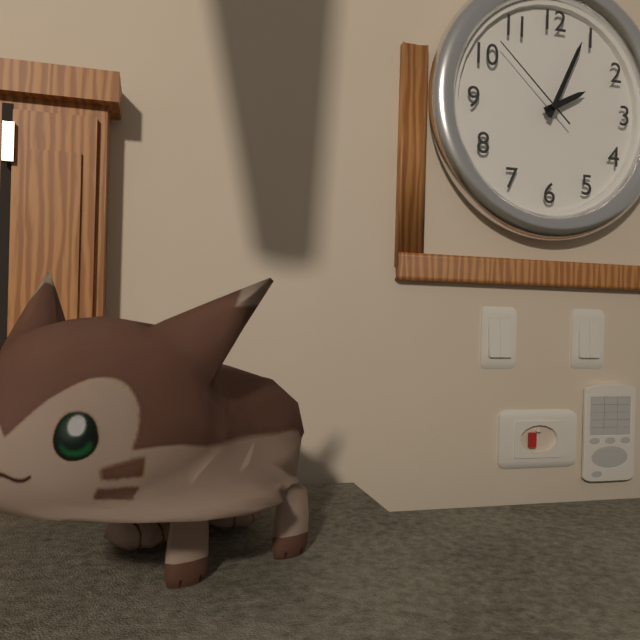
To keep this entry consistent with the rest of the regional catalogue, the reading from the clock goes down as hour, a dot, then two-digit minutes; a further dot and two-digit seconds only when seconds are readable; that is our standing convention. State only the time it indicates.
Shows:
2.04.52
